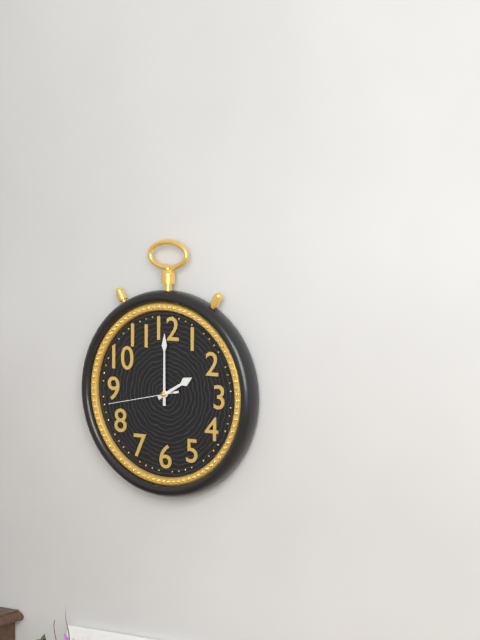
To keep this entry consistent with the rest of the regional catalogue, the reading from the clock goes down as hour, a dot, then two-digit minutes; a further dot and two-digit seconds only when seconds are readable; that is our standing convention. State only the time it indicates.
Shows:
2.00.43
